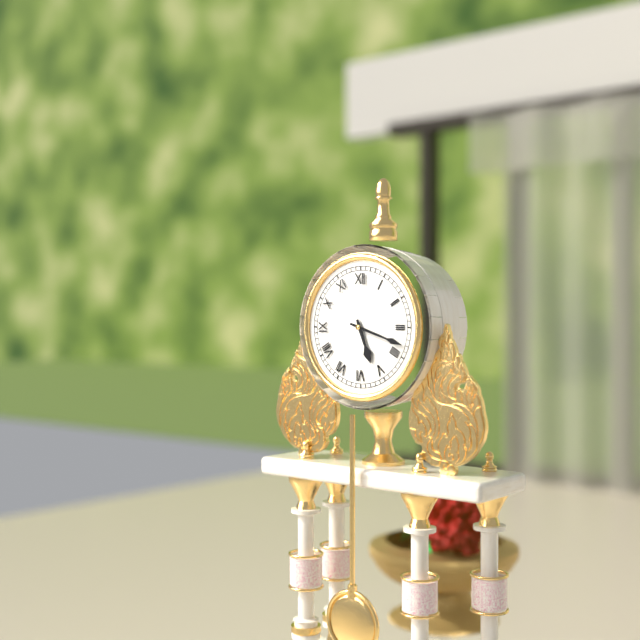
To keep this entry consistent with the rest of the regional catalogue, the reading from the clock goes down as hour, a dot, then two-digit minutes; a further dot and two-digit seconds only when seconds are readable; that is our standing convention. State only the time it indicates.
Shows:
5.18
